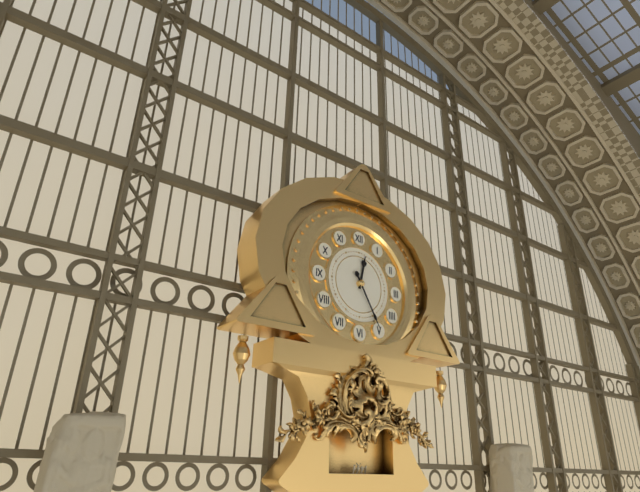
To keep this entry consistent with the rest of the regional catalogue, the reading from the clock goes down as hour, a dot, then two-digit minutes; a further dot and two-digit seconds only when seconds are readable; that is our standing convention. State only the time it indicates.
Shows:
12.25
